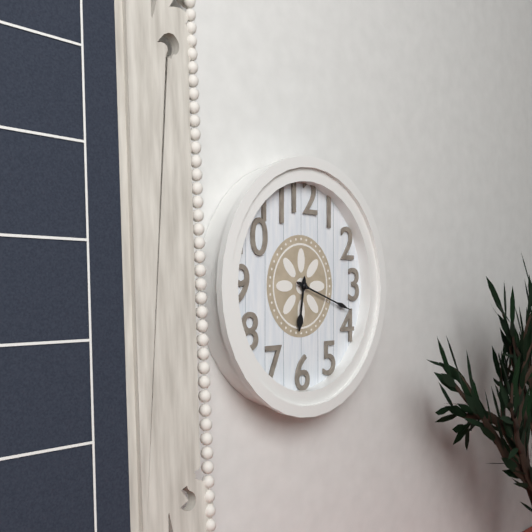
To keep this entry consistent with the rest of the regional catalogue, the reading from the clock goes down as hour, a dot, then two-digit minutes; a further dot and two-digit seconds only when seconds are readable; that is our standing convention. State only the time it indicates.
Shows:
6.18
